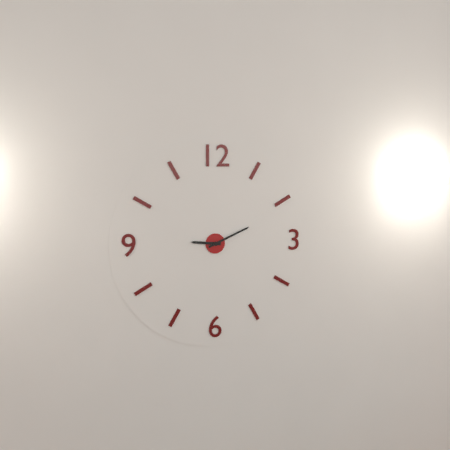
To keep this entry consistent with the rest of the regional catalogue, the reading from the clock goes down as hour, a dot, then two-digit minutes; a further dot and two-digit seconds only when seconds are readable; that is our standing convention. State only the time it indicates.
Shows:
9.11
